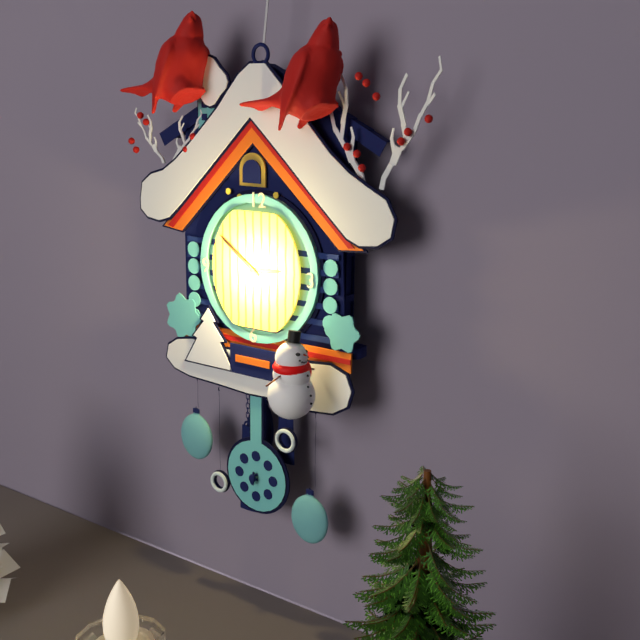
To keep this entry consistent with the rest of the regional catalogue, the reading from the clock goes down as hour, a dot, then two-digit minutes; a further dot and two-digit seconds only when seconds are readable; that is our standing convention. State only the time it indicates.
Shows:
2.51
